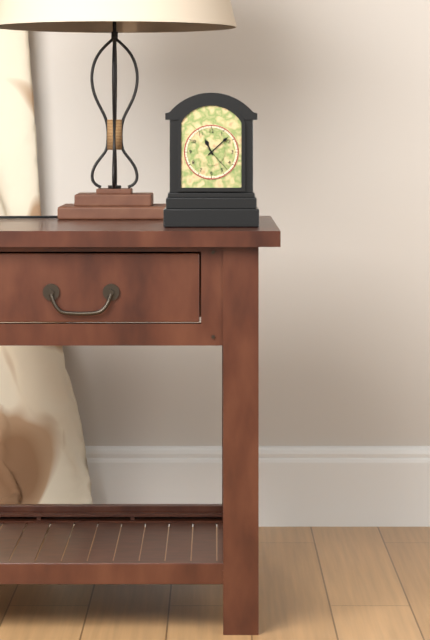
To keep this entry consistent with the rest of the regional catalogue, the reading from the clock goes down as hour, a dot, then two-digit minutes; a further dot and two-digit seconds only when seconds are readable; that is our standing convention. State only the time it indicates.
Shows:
11.08
